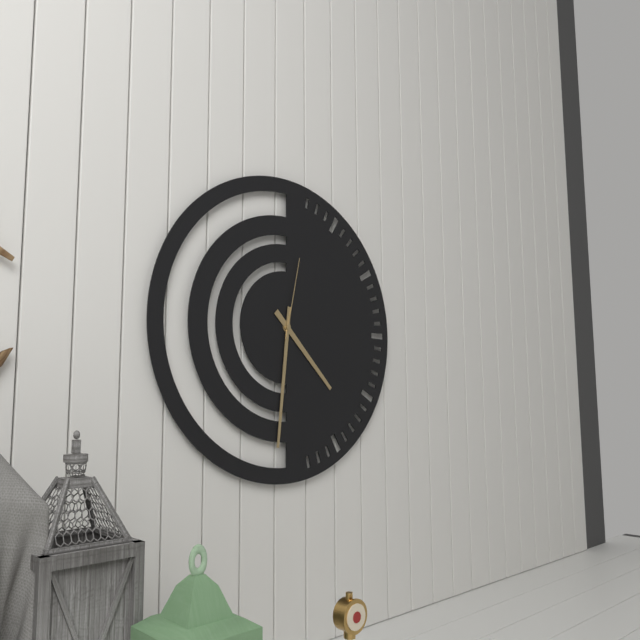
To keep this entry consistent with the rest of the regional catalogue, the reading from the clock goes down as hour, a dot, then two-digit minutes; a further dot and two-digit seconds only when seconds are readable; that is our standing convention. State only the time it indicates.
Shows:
4.31.02
